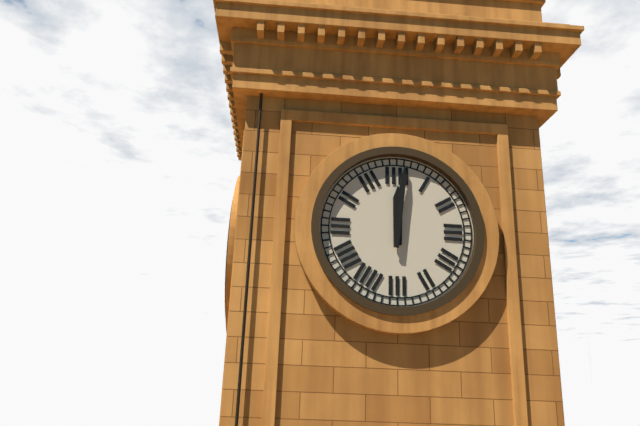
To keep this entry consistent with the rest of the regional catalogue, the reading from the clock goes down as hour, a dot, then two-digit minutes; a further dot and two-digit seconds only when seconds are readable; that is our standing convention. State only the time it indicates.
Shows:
12.01
